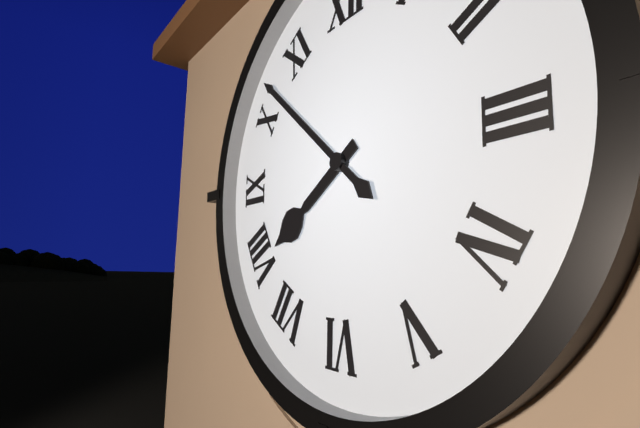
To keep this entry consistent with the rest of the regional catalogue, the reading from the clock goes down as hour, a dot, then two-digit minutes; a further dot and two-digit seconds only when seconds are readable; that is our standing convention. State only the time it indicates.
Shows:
7.52
